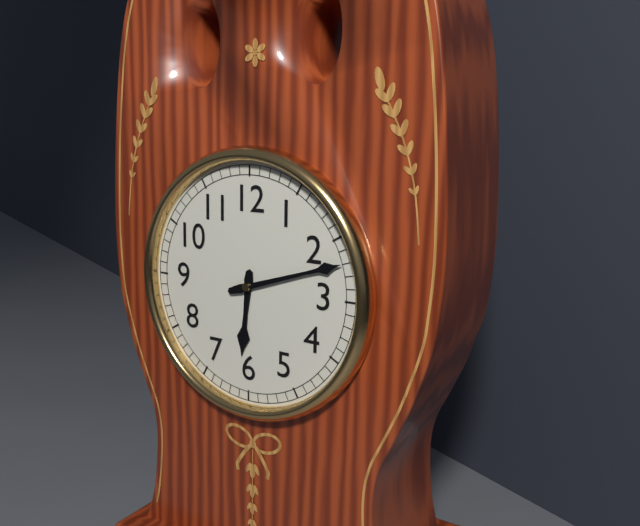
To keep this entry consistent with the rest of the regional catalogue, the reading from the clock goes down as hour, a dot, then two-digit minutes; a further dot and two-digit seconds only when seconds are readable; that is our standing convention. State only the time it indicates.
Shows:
6.12
